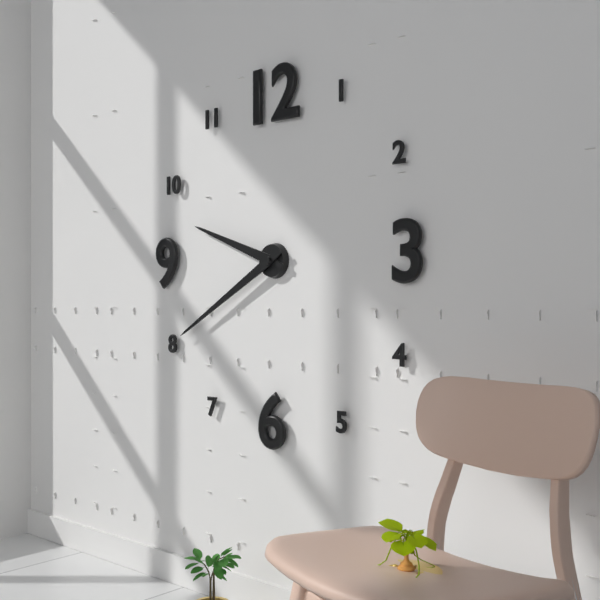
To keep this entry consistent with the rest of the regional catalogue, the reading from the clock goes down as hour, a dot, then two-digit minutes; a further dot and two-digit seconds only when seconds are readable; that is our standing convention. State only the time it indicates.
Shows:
9.40
